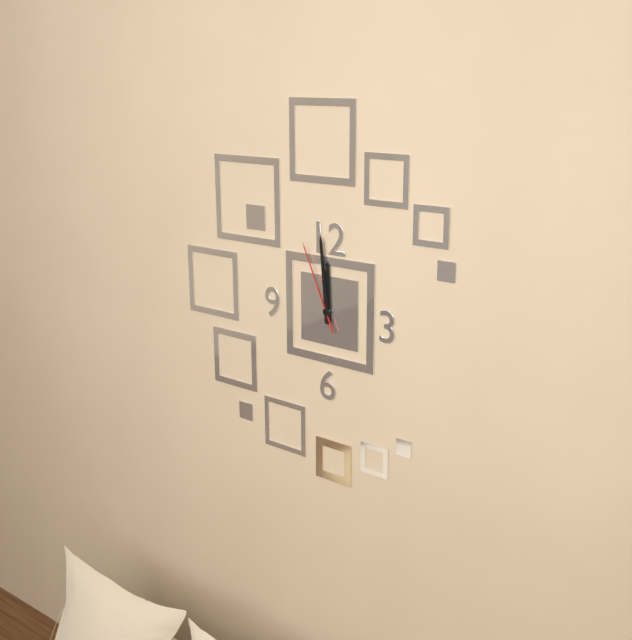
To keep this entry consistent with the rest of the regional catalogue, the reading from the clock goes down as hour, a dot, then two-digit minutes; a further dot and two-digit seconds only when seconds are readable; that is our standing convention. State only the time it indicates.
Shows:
11.59.56
